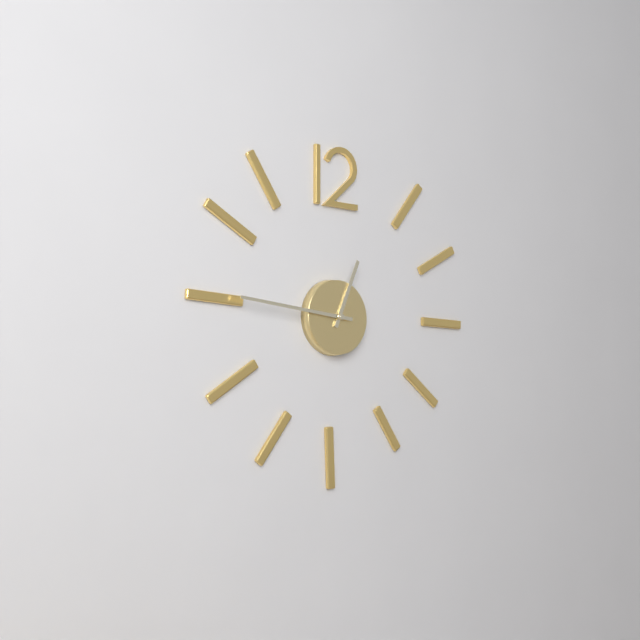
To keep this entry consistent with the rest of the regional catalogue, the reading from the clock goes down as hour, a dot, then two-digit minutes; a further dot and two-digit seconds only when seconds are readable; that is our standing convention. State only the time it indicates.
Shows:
12.46
